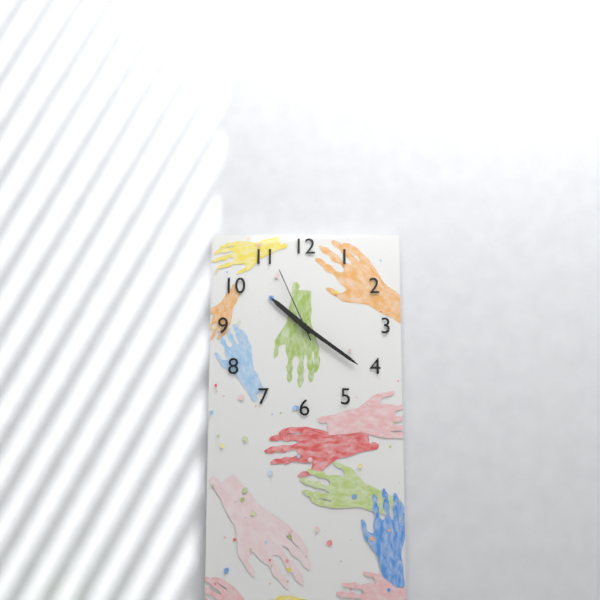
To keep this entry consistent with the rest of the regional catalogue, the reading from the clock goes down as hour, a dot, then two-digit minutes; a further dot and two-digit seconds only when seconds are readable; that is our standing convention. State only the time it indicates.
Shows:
10.21.56
